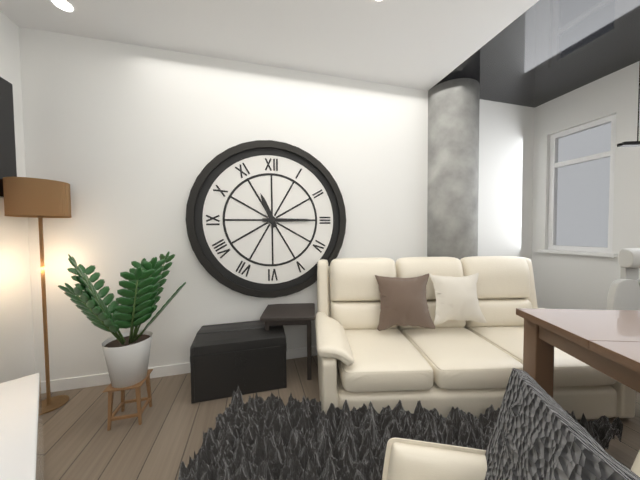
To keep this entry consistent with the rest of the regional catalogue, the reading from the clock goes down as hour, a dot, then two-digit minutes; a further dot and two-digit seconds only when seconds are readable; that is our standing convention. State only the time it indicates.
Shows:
11.15
